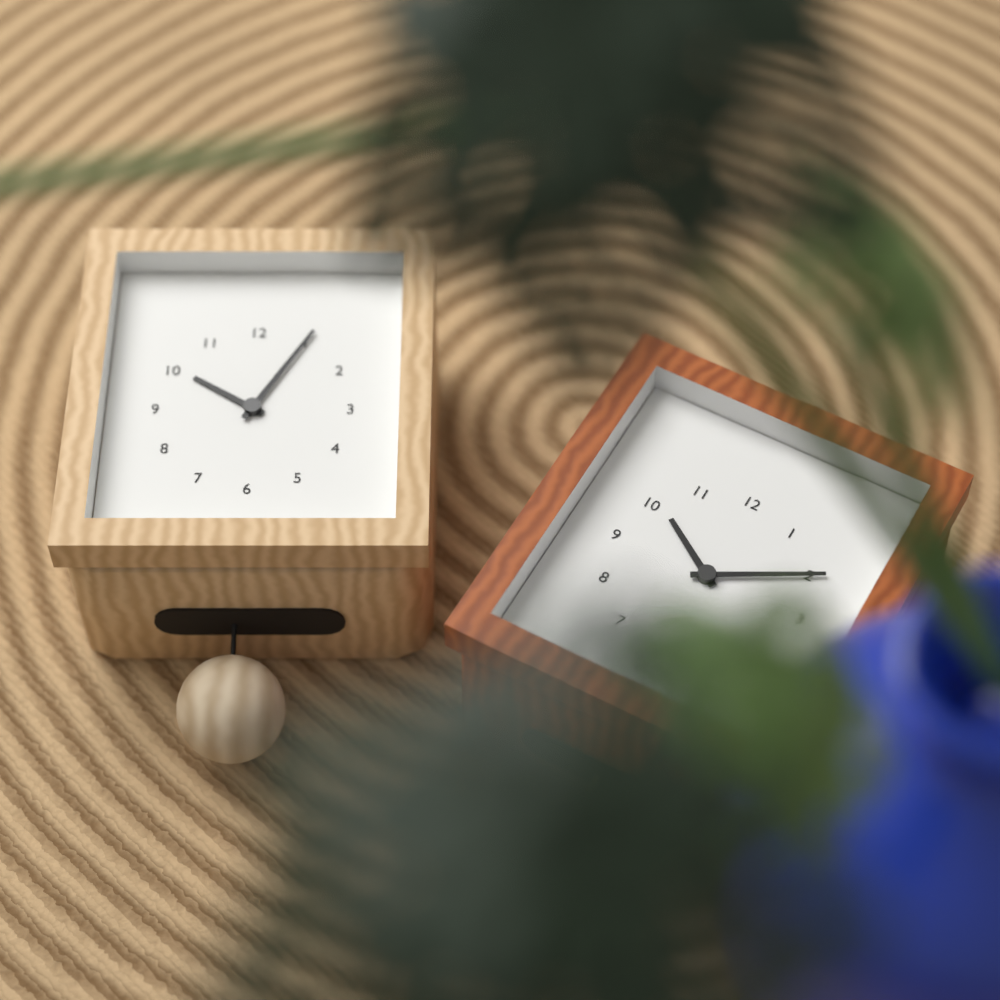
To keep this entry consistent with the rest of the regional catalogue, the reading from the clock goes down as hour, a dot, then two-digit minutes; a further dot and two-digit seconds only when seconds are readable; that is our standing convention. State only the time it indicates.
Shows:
10.05
